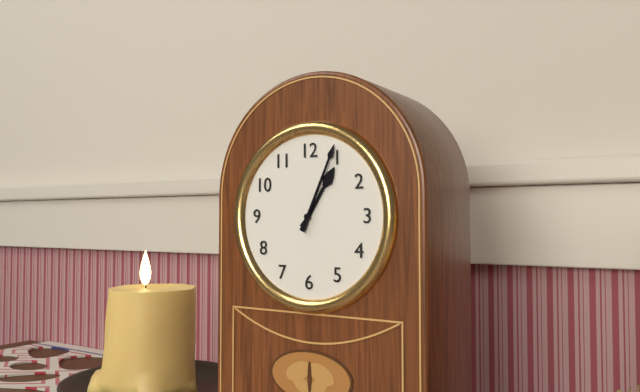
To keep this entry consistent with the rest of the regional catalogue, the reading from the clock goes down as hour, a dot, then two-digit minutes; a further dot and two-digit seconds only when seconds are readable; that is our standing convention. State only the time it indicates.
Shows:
1.04
